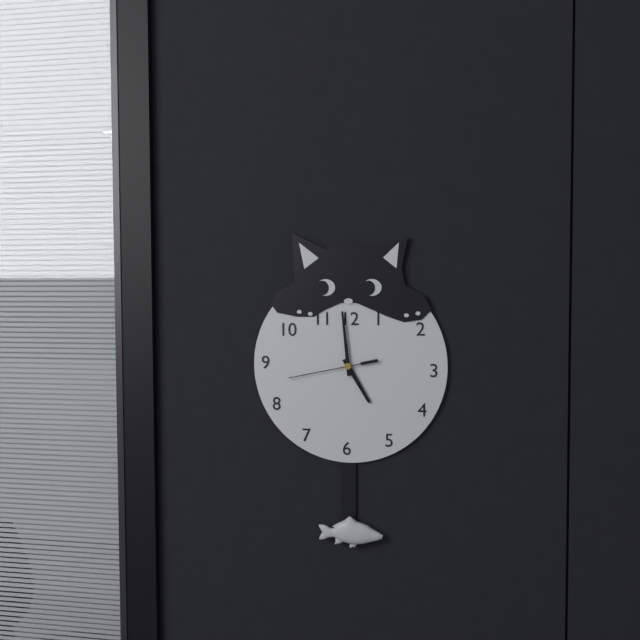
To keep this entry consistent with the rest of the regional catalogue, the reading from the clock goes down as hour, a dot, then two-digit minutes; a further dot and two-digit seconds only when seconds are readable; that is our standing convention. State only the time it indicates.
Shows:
4.59.43
